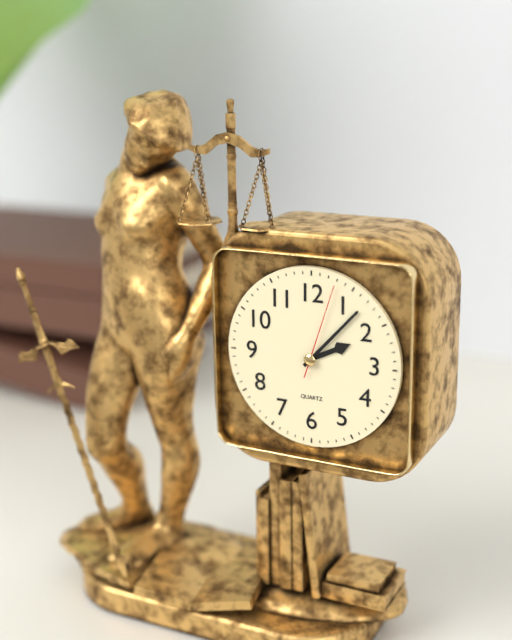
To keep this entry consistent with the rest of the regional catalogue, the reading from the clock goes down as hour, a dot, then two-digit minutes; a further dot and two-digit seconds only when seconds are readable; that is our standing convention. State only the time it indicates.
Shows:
2.07.03
